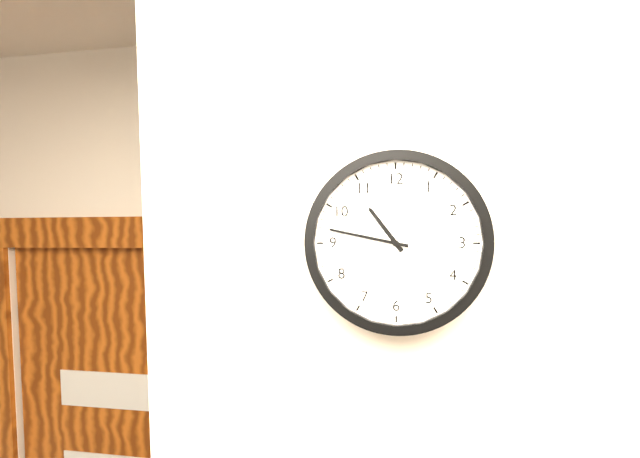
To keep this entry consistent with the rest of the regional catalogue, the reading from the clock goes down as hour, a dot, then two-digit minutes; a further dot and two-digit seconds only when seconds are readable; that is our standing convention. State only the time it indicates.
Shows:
10.47
